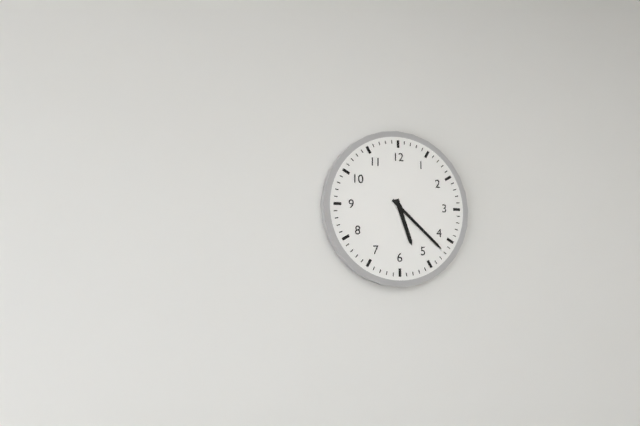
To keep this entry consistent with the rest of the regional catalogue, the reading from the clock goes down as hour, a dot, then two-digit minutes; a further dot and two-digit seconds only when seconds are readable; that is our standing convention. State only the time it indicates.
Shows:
5.22
